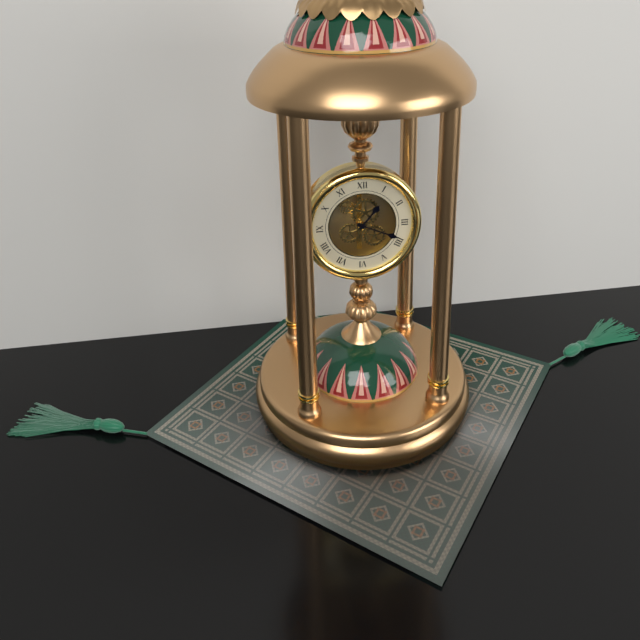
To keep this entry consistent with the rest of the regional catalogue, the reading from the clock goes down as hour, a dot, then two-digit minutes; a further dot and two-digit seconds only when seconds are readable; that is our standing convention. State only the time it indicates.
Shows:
1.19
